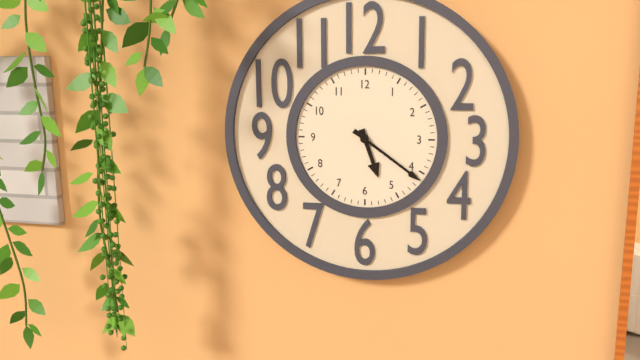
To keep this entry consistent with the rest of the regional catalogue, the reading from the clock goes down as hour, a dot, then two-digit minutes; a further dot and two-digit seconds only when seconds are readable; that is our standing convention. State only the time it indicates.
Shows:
5.21
